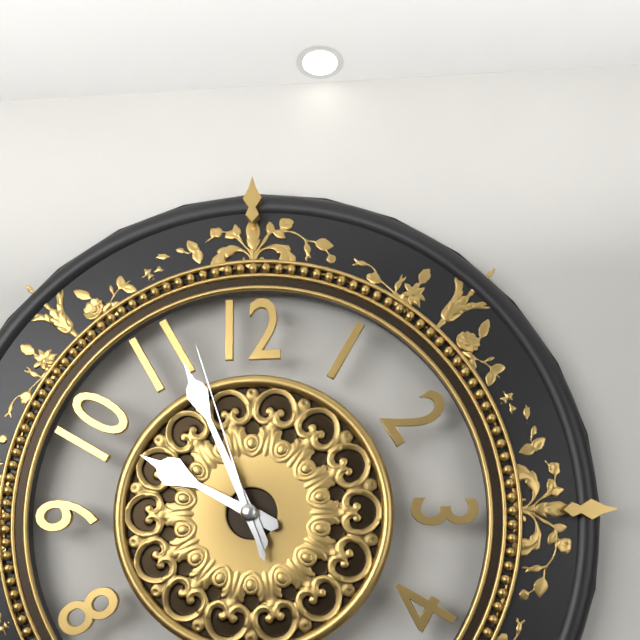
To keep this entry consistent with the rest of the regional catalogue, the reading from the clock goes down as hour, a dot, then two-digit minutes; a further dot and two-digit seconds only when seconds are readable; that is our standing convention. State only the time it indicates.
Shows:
9.56.57
